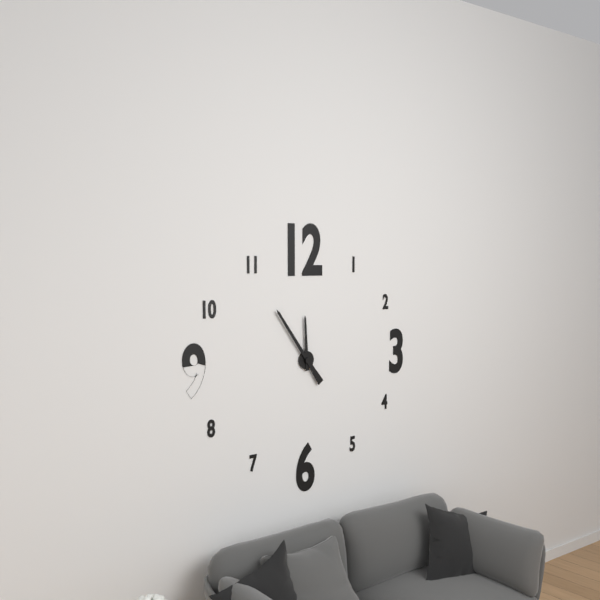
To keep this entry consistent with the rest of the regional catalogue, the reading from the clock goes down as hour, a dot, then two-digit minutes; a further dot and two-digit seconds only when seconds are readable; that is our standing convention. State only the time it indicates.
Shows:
11.54
